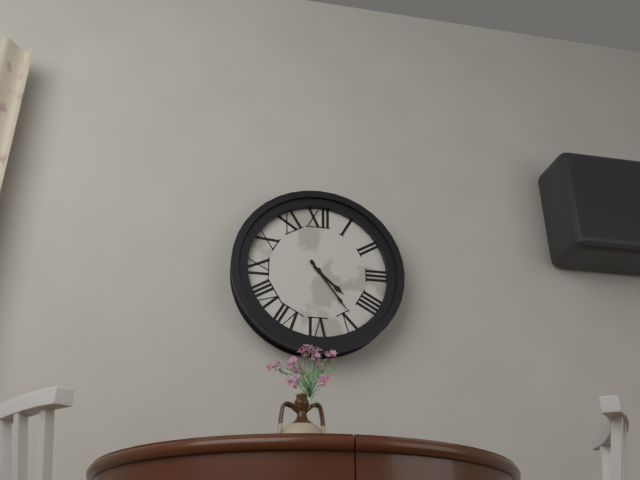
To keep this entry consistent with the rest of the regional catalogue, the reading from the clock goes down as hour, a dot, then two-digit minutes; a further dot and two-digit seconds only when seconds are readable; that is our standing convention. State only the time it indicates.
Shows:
4.24
